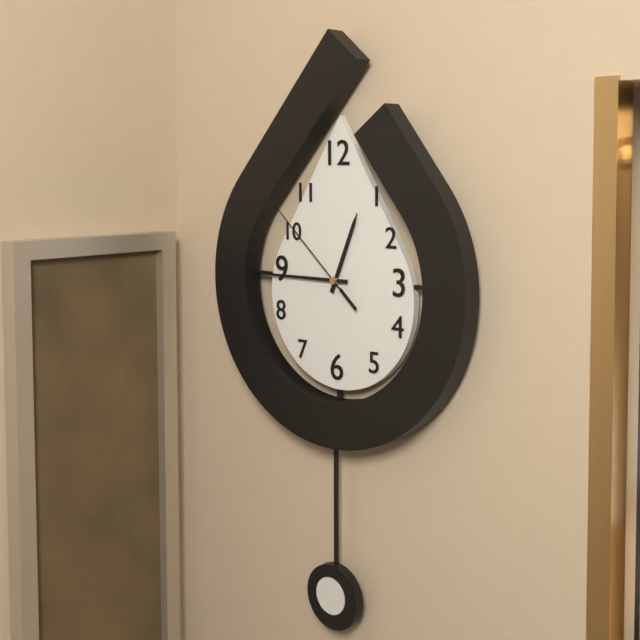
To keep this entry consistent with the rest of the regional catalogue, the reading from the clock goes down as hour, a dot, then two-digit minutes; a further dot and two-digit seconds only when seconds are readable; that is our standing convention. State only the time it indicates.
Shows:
12.45.52
